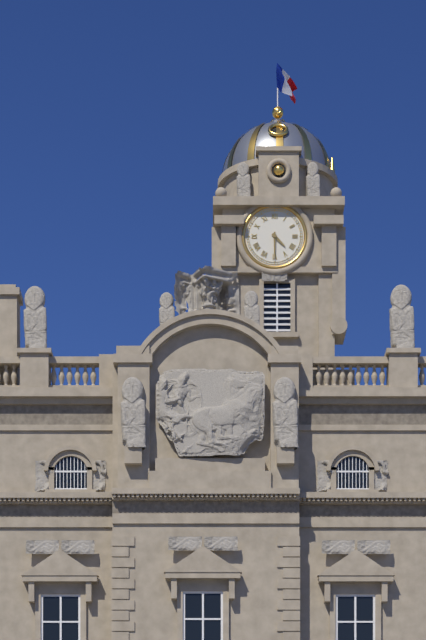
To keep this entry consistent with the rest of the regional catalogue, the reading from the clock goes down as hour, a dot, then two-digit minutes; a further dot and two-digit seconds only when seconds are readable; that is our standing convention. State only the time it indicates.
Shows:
4.30
